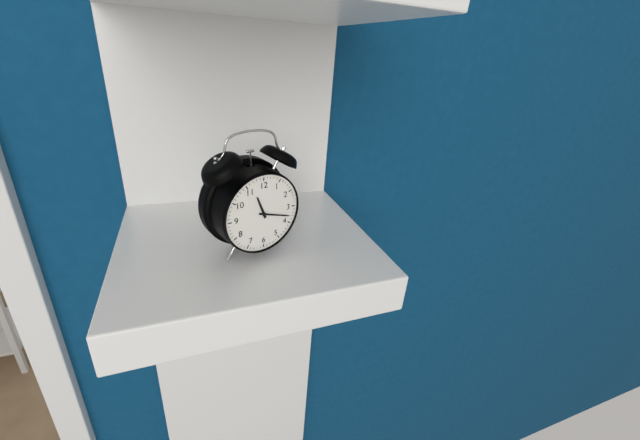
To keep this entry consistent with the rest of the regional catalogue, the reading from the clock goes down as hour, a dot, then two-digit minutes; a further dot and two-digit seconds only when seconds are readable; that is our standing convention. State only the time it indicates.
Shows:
11.18
